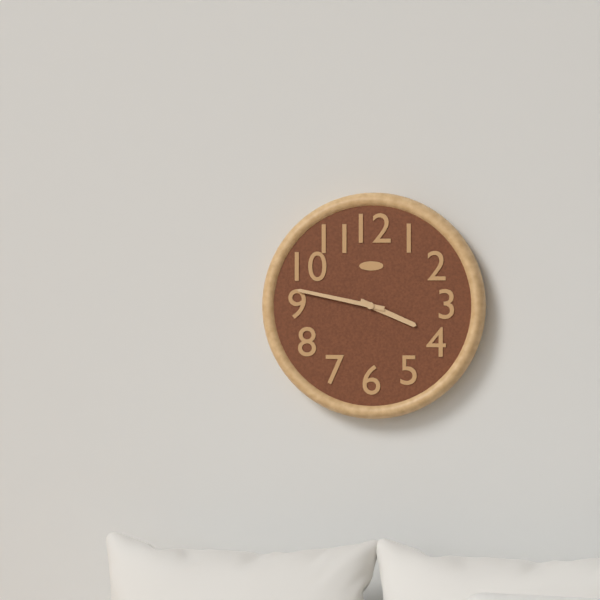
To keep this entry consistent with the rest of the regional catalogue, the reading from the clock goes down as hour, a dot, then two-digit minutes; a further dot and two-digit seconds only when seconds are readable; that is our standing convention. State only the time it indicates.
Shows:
3.47
